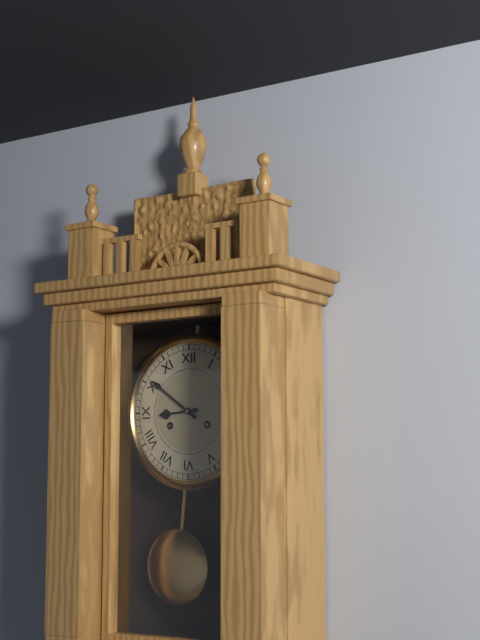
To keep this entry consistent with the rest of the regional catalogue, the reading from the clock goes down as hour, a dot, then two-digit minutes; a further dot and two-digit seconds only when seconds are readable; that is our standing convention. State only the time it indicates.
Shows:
8.51
